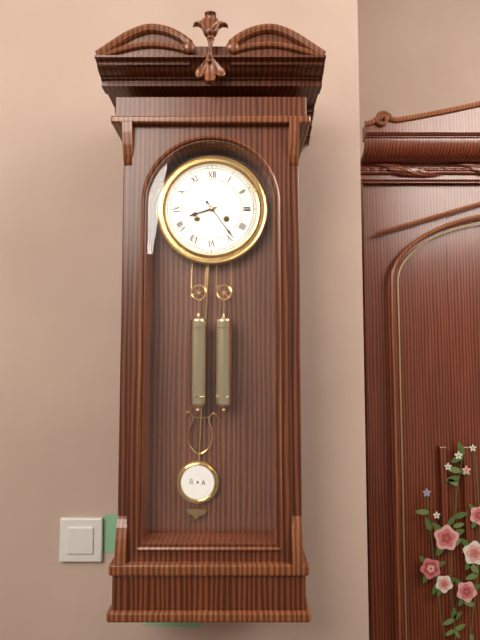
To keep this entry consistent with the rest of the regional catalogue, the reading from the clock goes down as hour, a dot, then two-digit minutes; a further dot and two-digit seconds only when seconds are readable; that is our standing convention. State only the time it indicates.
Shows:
8.24
